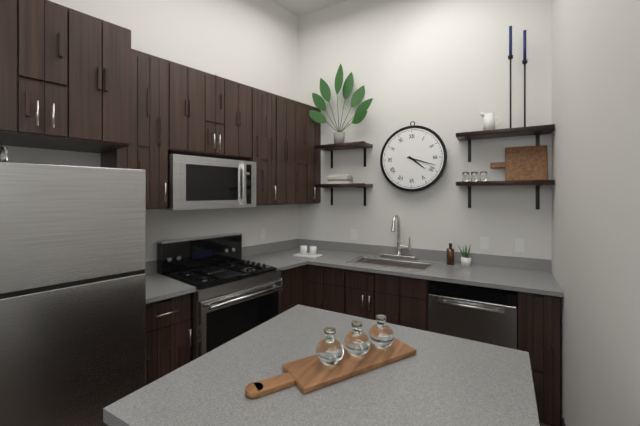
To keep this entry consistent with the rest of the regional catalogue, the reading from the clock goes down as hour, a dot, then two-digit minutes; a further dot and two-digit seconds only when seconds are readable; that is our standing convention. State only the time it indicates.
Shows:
4.18
